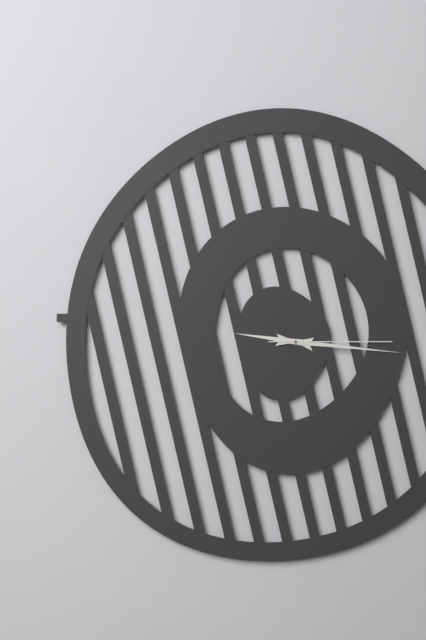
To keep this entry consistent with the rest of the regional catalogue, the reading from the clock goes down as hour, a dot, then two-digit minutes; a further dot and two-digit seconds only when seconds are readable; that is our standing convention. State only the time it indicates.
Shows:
9.16.15
